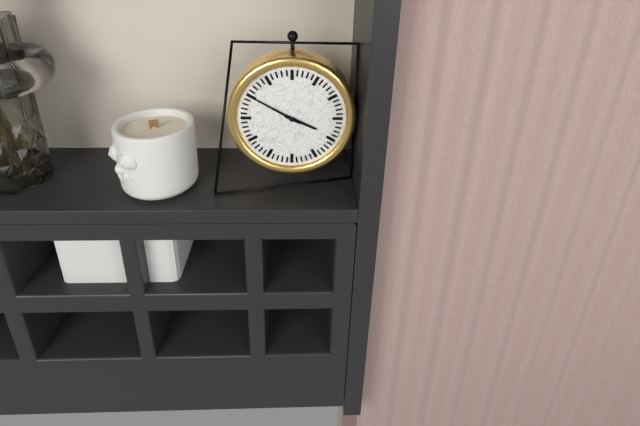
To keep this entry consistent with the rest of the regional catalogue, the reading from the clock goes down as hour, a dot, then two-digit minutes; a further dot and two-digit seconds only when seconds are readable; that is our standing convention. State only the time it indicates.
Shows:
3.50
